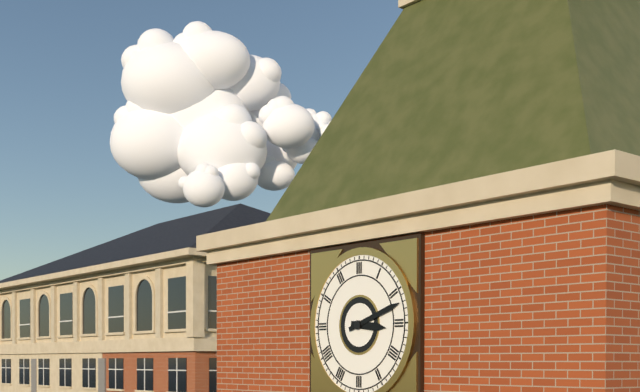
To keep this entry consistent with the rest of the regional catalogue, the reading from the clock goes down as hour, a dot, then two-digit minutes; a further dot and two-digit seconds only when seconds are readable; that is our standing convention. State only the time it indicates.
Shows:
3.12
